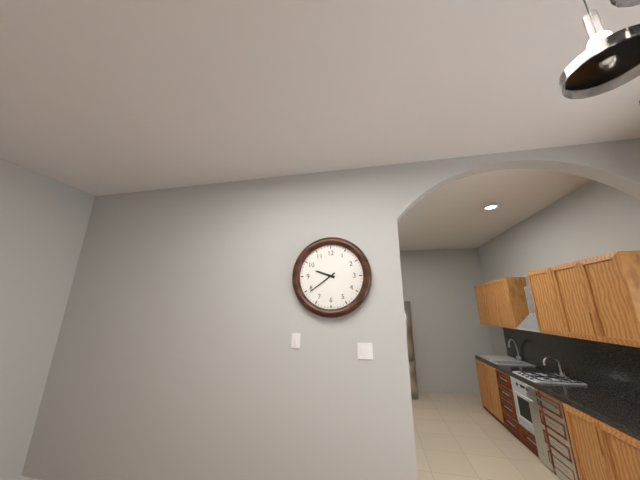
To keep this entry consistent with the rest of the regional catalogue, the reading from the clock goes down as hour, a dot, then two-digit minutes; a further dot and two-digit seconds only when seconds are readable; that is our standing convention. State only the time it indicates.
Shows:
9.39
